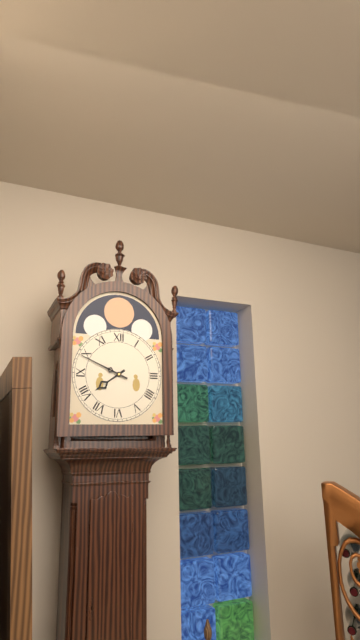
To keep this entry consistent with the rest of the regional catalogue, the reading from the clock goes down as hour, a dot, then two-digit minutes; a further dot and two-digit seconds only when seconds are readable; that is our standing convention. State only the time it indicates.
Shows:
7.49
